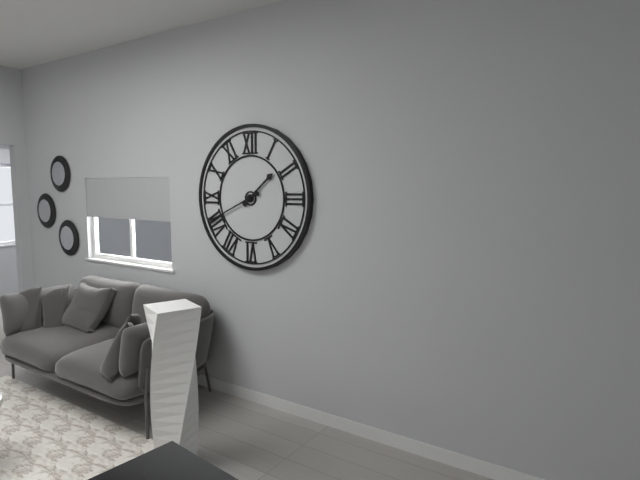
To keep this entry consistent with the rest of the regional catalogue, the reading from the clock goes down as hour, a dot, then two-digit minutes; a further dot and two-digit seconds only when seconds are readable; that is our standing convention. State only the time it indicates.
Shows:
1.41
